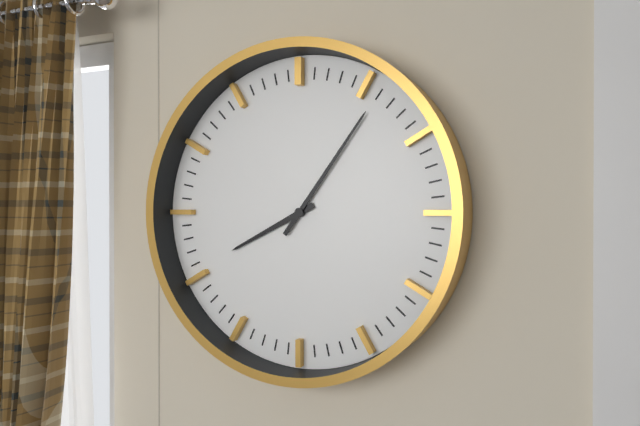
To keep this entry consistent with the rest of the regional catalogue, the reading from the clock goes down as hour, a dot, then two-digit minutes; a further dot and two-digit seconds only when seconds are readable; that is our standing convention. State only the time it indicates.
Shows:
8.06
